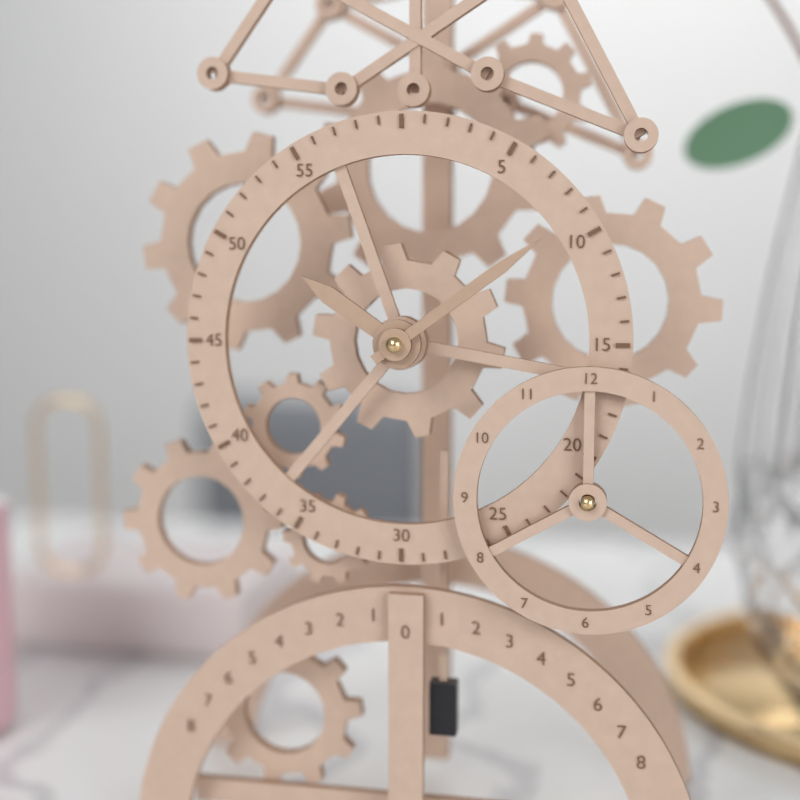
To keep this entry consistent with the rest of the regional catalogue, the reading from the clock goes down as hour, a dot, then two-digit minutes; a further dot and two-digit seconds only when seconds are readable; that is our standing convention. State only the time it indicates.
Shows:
10.09
